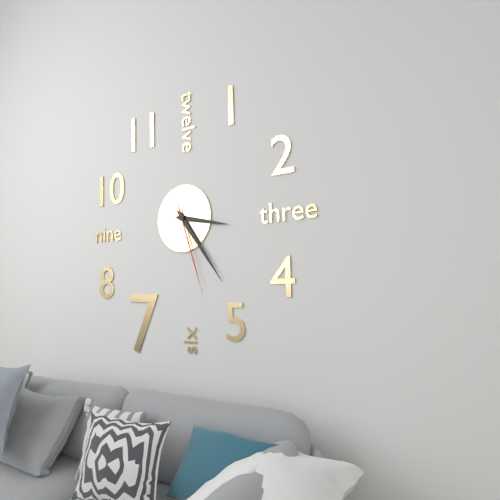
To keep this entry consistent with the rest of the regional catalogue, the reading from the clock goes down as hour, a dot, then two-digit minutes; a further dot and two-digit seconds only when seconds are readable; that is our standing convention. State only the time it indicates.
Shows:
3.24.27
